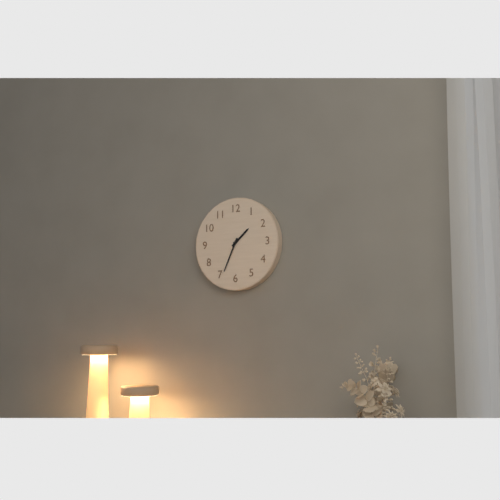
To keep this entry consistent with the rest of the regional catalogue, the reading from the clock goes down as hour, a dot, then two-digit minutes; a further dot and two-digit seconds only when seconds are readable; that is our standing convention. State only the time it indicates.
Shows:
1.34
